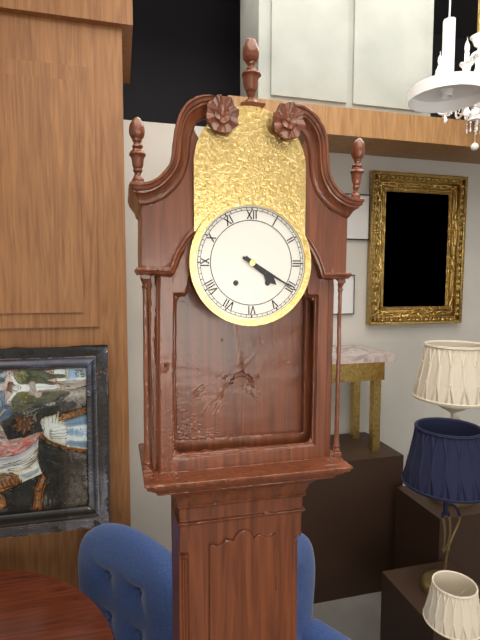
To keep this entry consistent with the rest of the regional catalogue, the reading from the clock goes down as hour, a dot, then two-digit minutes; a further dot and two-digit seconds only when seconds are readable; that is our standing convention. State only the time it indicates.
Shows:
4.20
